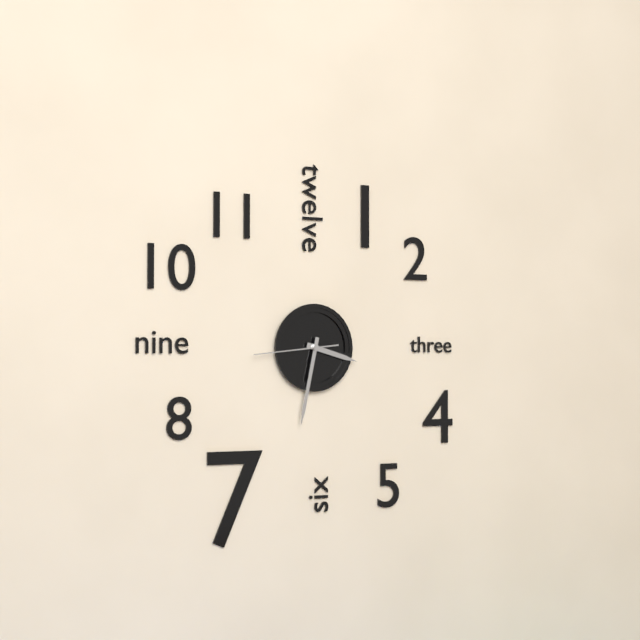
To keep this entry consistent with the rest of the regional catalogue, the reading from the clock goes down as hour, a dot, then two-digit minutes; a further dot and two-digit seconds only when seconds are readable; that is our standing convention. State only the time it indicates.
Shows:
3.32.44
